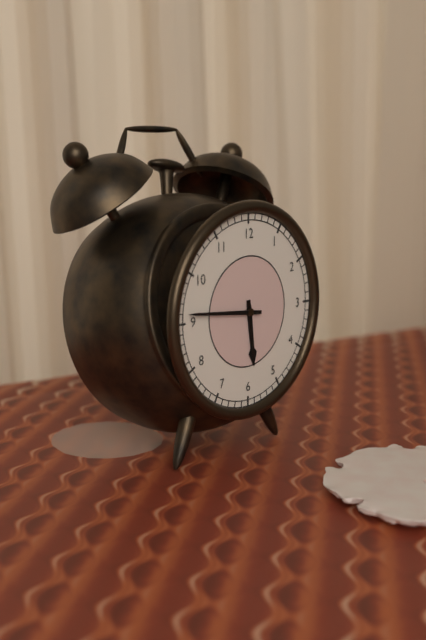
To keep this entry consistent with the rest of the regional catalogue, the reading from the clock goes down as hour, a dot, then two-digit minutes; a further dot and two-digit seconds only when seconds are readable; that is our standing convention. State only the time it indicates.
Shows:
5.46
